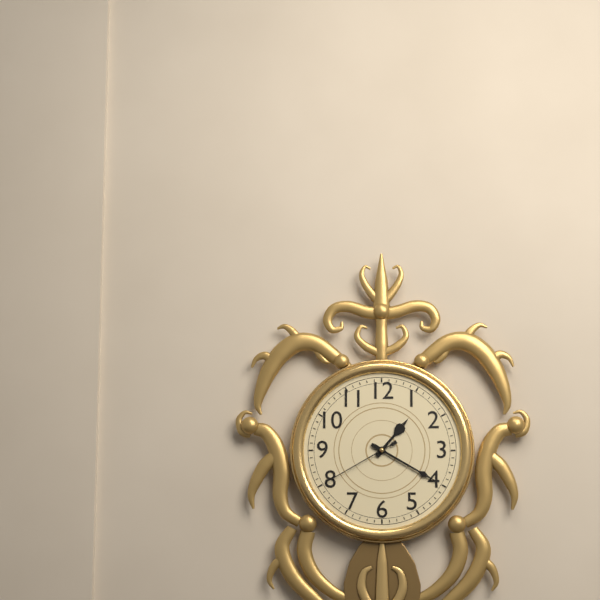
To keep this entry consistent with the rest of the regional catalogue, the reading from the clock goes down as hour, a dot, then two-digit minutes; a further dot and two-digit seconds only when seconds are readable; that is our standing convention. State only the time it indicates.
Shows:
1.20.40
